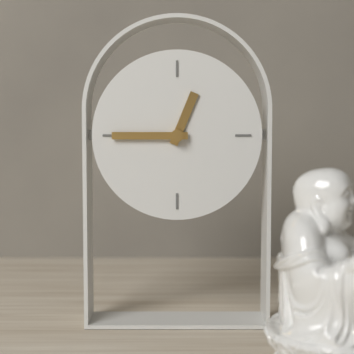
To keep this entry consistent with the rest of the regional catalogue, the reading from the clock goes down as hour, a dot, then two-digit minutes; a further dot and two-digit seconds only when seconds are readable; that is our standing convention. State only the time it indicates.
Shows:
12.45
